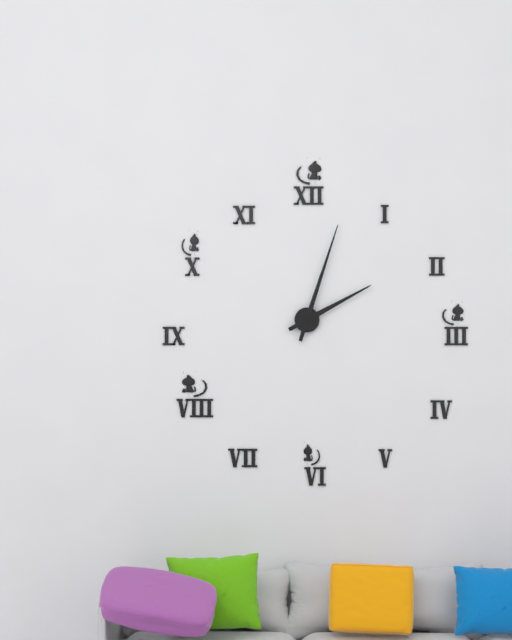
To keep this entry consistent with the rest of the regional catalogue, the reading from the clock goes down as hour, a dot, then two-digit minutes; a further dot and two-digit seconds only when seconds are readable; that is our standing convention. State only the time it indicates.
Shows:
2.03
